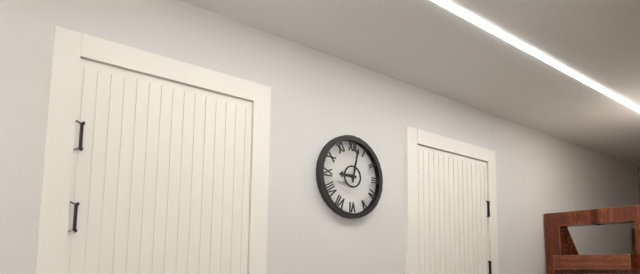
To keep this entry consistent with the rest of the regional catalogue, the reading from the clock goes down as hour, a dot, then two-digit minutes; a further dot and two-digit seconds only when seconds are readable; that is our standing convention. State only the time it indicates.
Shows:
9.02
